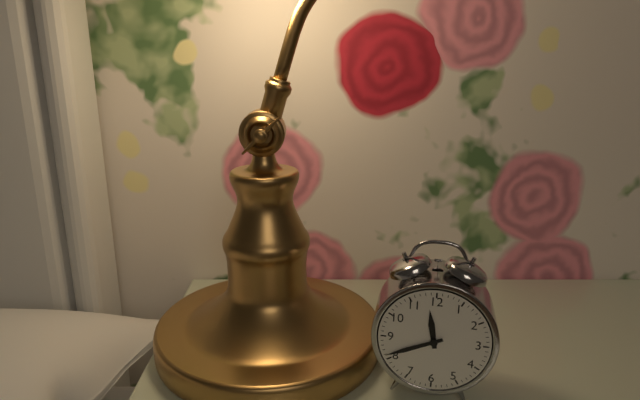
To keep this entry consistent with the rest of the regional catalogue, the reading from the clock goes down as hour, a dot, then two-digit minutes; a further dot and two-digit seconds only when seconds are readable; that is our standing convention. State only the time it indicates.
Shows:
11.41
